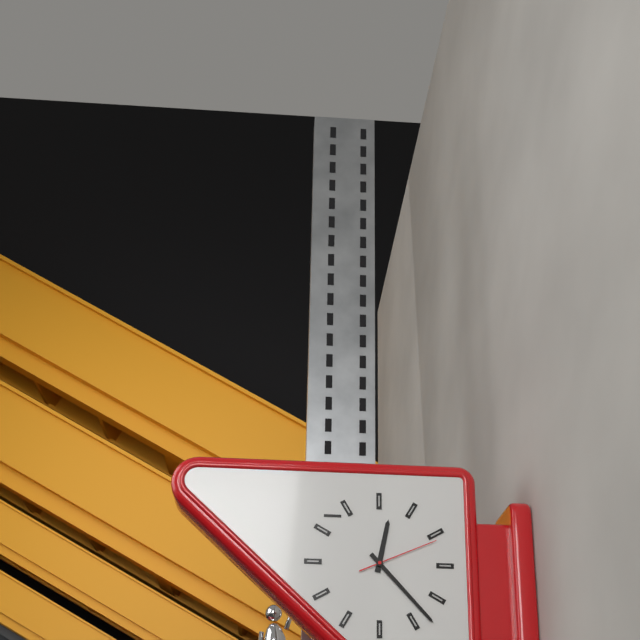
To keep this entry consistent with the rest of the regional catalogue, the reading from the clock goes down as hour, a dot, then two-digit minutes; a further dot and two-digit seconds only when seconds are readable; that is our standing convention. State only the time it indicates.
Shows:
12.23.11
